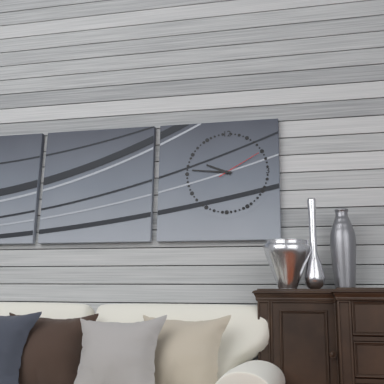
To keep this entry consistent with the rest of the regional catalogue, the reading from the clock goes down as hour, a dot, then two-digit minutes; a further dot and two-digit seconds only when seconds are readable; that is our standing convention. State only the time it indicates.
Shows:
9.46
